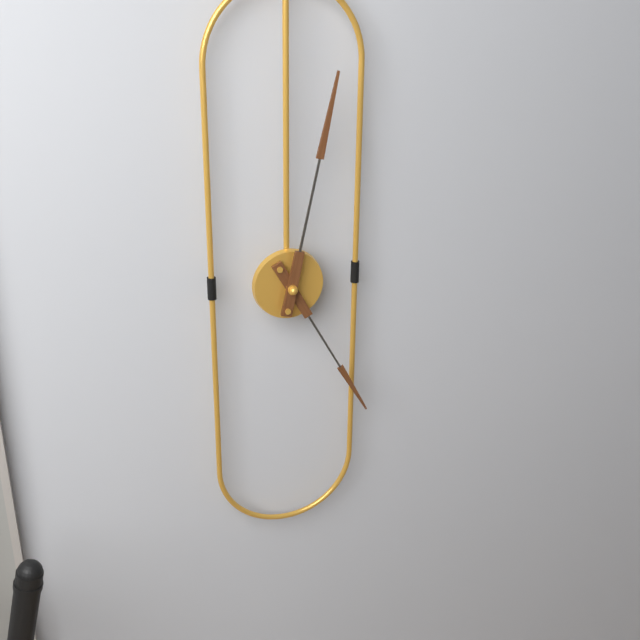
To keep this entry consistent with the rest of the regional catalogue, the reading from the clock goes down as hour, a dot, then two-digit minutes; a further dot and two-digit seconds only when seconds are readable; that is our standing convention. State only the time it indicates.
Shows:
5.02
